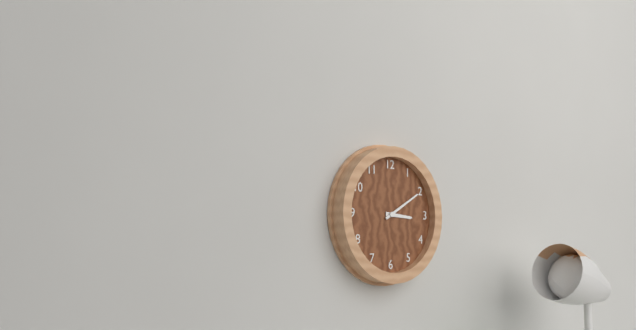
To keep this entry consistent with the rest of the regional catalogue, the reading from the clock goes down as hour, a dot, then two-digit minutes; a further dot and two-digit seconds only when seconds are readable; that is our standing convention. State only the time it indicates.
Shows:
3.10
